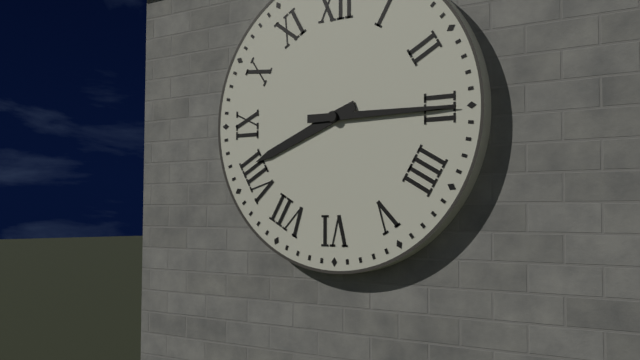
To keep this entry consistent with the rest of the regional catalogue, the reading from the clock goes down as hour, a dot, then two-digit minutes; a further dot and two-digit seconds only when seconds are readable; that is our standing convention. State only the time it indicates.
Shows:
8.15
